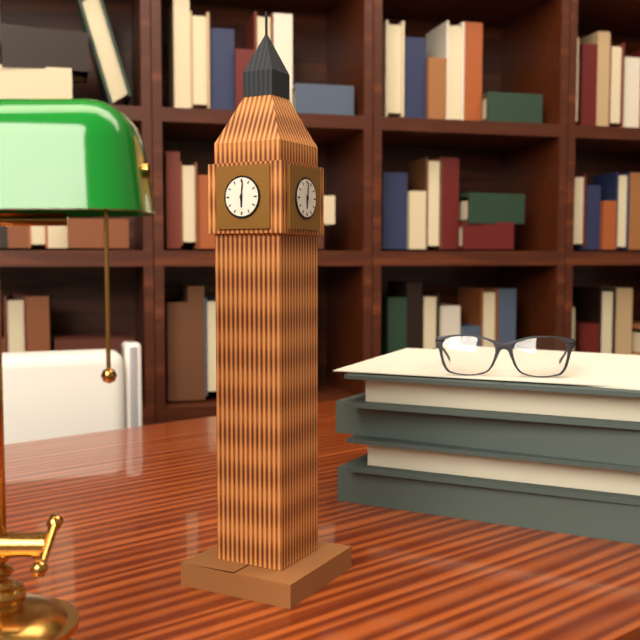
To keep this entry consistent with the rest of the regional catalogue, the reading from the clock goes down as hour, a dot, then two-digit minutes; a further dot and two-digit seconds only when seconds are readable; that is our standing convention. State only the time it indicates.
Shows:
6.01
